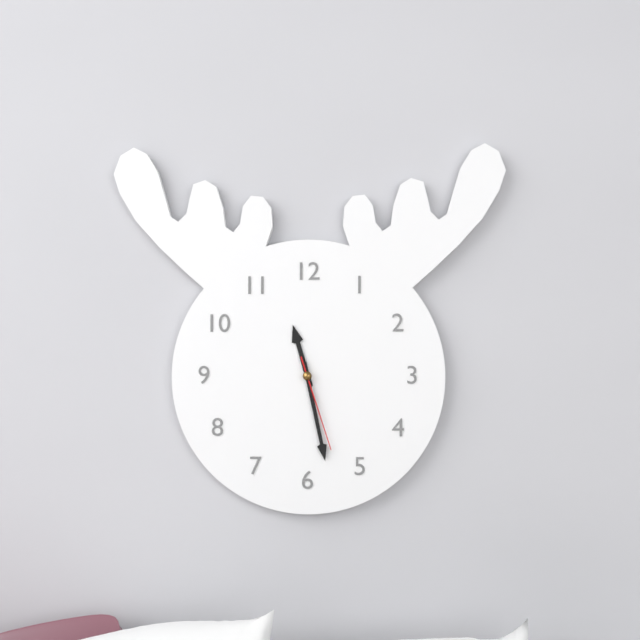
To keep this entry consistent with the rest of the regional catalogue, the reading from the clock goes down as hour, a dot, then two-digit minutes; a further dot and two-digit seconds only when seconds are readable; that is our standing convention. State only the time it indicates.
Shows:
11.28.27
